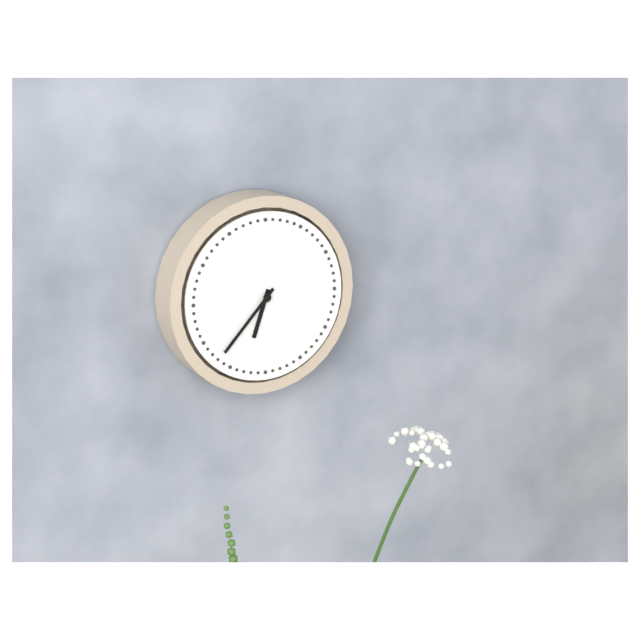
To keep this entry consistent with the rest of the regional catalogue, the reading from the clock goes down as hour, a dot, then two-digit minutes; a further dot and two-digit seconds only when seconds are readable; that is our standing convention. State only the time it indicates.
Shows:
6.37
